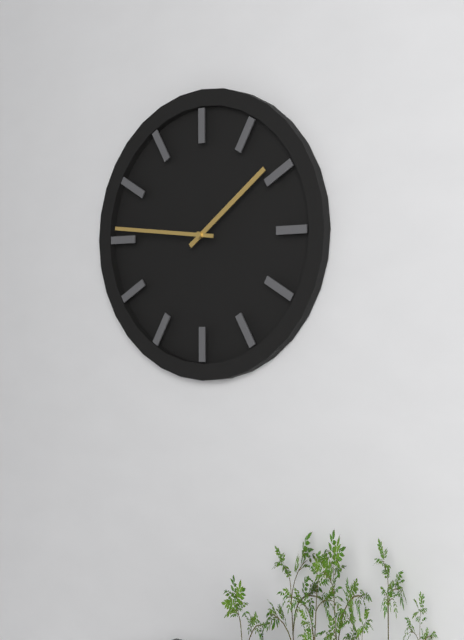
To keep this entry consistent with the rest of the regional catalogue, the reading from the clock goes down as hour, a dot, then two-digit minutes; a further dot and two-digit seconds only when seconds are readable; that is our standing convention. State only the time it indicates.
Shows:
1.46
